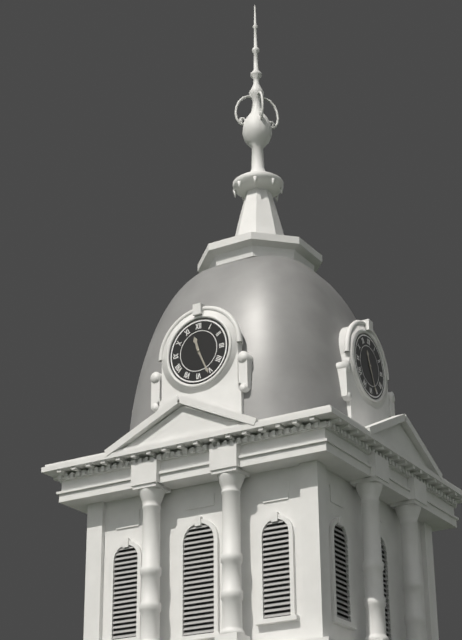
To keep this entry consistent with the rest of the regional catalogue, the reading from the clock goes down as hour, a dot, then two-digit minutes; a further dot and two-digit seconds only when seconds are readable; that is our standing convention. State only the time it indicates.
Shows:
11.26
